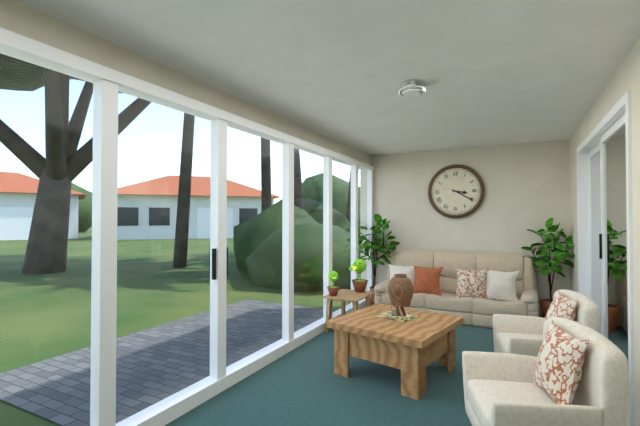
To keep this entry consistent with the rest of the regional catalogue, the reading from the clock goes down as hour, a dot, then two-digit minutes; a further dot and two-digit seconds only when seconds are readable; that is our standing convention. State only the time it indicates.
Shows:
3.20
